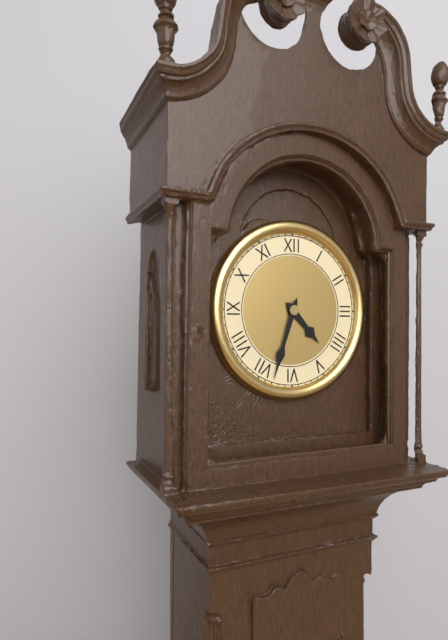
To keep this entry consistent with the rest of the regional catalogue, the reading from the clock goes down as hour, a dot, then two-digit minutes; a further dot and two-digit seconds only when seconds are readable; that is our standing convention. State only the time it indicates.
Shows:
4.33
